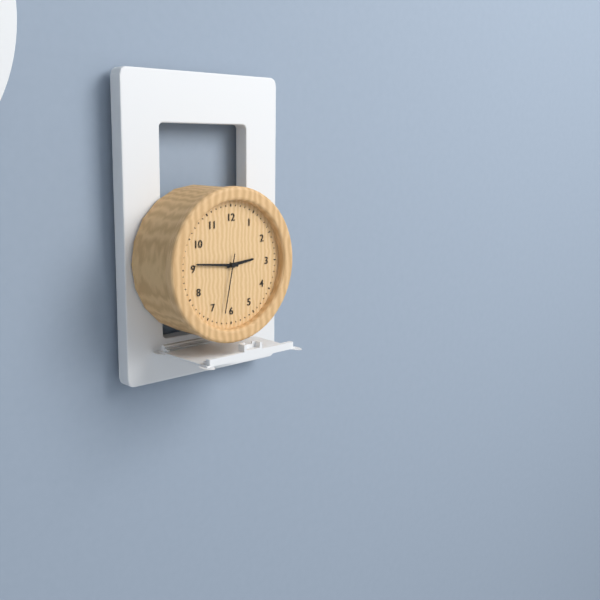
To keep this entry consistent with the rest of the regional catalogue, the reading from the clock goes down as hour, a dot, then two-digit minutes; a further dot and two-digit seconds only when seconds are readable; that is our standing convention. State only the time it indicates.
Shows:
2.46.32
